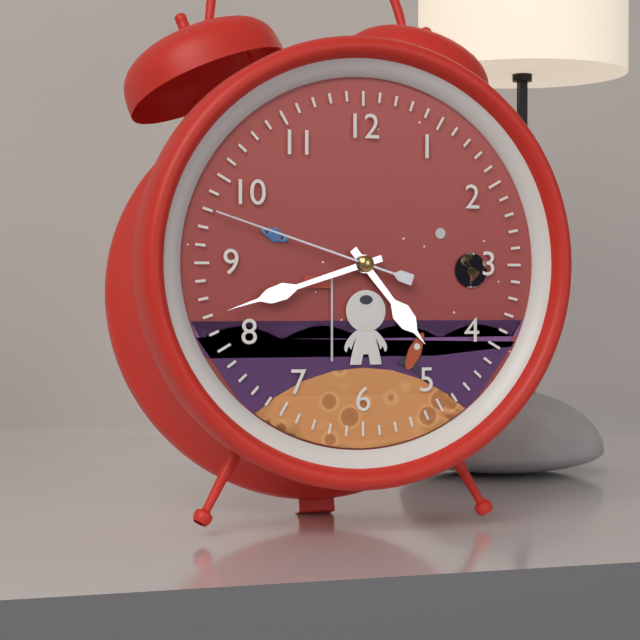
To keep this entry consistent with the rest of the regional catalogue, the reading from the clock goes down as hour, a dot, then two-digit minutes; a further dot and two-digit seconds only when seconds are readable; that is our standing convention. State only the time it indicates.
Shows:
4.42.48
